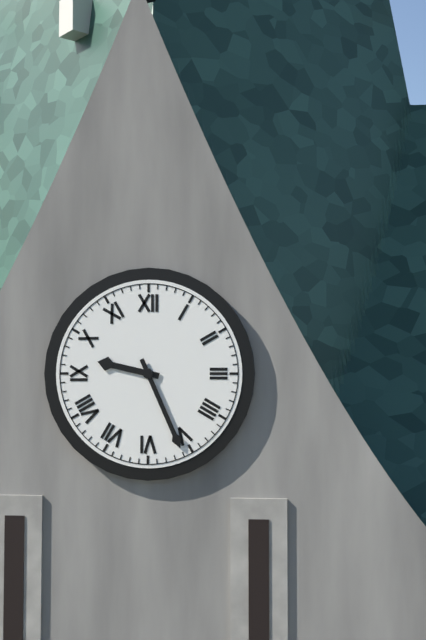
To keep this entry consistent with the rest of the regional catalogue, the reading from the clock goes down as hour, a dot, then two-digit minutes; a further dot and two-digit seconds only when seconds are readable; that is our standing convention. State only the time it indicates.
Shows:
9.26
